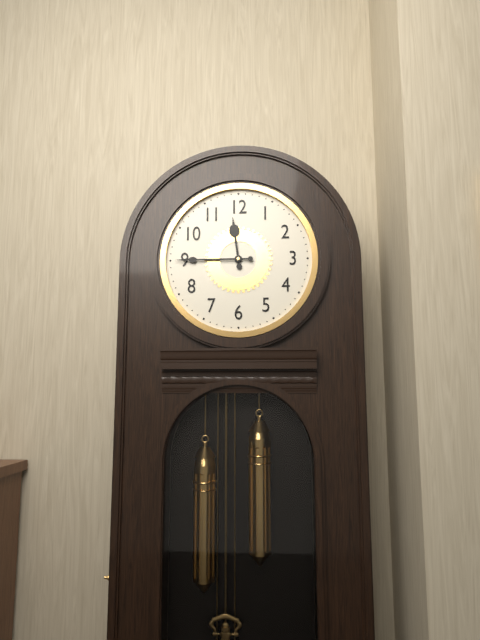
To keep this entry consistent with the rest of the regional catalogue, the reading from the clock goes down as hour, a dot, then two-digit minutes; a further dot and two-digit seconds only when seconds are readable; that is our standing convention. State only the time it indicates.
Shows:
11.45
